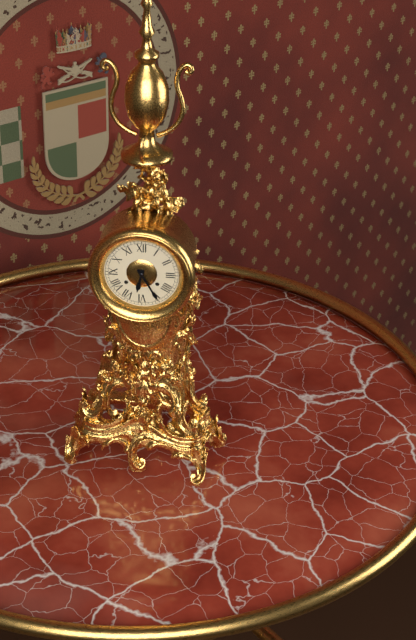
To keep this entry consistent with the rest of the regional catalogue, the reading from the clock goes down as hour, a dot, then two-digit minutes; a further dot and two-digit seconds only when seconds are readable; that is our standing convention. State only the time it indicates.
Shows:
6.25
